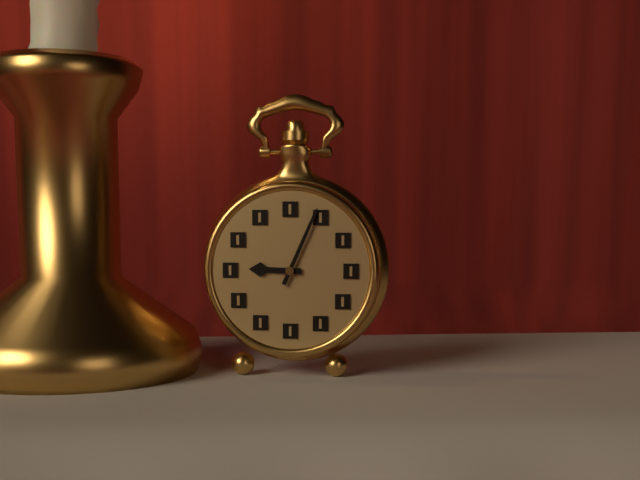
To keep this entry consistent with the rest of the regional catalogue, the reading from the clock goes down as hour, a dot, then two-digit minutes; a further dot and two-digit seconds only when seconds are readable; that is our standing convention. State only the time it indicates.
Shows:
9.04
